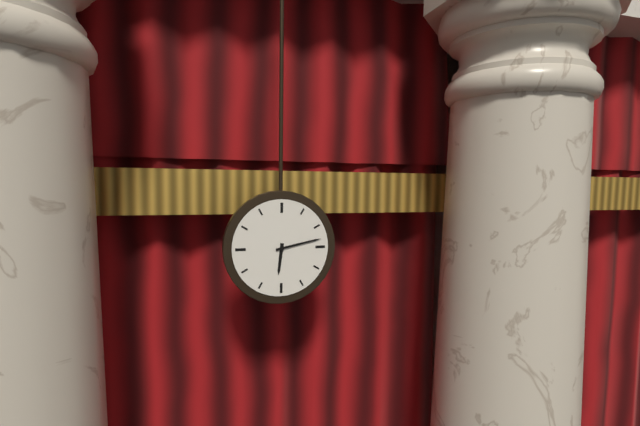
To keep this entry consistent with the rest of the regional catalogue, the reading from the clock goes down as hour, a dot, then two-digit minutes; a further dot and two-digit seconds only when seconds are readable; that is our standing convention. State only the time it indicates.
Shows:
6.13
